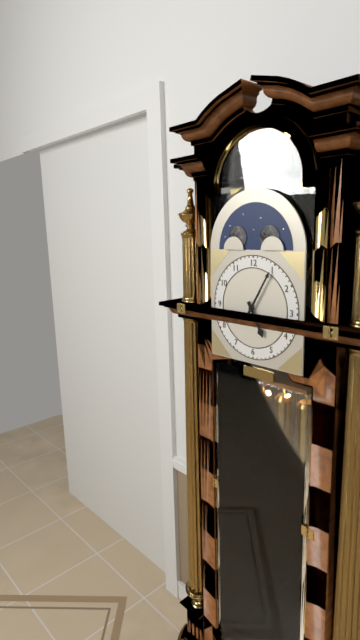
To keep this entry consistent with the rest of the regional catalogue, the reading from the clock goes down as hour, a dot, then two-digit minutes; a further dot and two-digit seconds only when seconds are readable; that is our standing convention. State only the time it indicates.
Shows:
5.05
